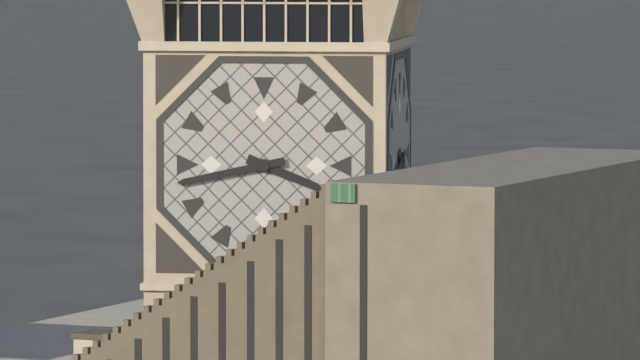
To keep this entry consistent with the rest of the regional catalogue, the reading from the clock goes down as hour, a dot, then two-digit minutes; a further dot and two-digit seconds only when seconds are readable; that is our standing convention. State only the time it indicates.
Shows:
3.43
